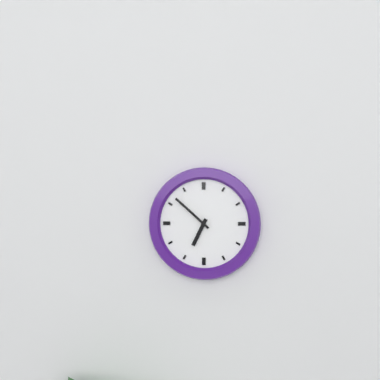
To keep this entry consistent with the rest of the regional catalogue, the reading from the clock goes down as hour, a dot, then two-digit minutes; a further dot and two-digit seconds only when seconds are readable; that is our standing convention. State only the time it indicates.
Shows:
6.52
